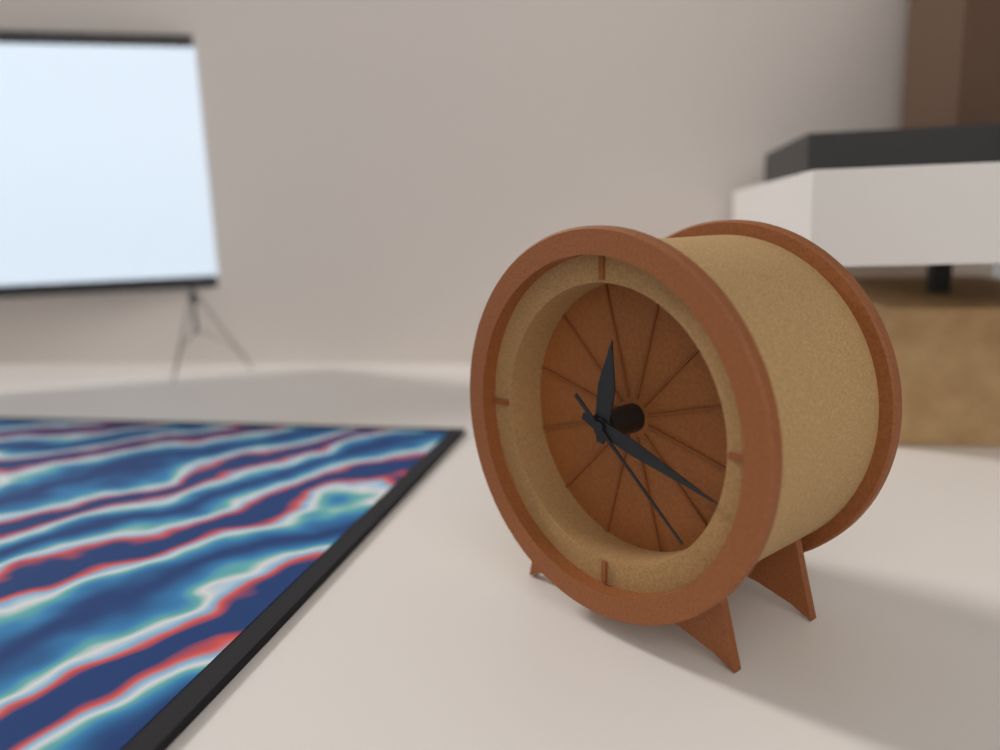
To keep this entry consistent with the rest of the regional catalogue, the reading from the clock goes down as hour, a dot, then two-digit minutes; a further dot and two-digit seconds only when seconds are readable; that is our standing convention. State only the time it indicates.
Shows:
12.18.22
